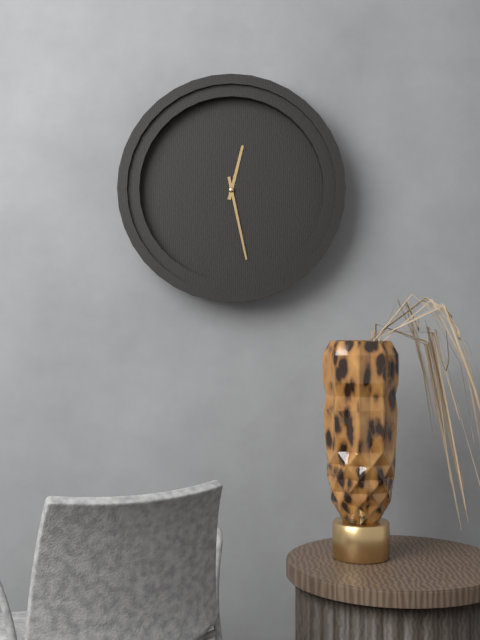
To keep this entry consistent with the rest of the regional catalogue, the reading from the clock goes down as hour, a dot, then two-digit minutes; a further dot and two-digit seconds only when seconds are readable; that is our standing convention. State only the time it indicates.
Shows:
12.28
